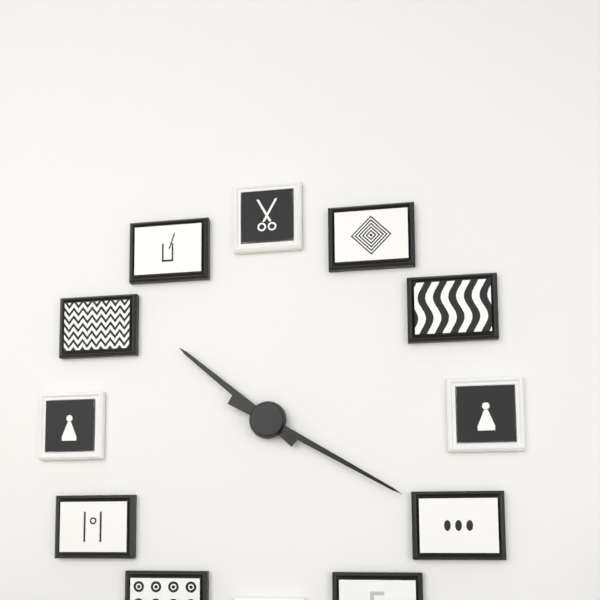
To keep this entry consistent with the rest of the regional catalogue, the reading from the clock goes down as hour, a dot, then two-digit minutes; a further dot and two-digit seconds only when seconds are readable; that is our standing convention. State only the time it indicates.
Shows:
10.20
